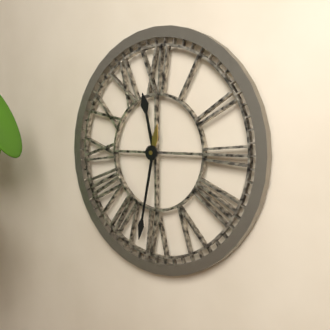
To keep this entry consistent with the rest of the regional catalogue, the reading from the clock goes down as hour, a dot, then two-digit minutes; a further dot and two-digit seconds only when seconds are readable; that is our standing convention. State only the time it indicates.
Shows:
11.32
